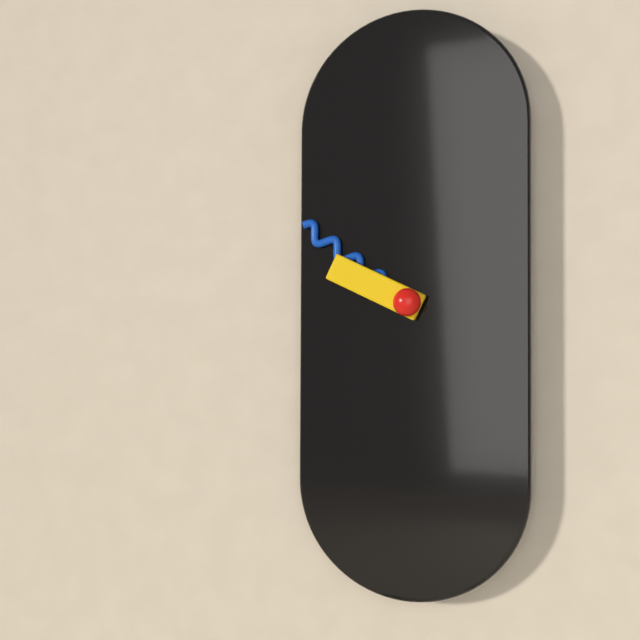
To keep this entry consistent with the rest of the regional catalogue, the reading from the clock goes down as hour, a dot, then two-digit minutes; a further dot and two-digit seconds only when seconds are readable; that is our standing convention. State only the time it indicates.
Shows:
9.51
